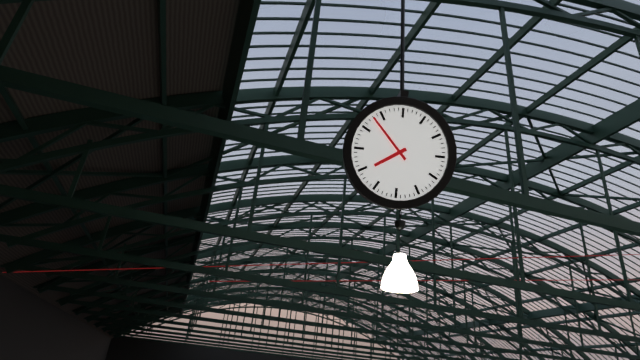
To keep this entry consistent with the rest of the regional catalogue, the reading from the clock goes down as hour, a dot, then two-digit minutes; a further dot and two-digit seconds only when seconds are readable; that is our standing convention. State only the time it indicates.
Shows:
7.53
